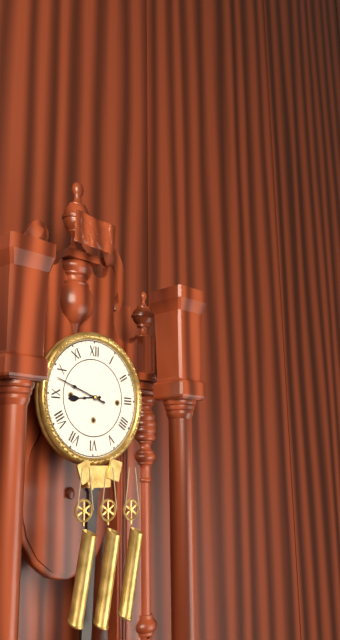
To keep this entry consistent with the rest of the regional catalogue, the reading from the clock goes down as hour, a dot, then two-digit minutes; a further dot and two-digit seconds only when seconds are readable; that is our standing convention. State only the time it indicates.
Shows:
8.48
